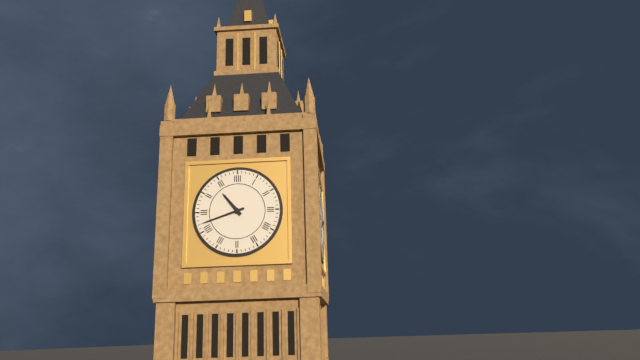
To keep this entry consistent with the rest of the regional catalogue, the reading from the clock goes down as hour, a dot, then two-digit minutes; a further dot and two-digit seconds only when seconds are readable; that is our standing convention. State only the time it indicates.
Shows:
10.42
